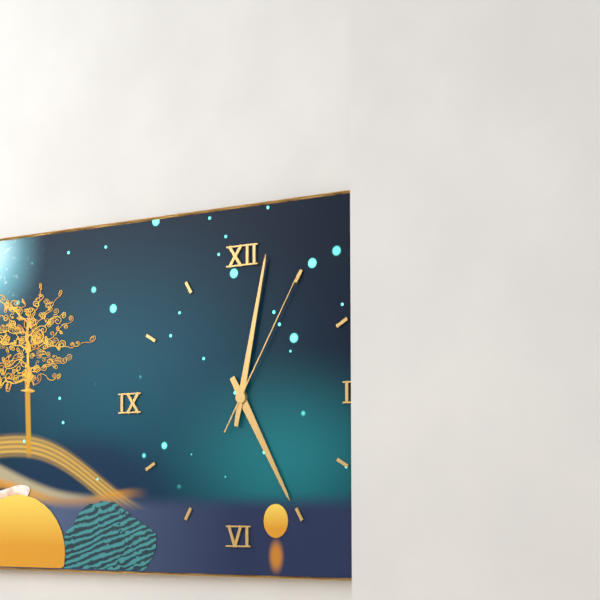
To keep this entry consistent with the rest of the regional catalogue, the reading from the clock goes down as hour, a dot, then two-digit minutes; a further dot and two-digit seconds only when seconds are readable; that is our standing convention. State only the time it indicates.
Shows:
5.02.05
